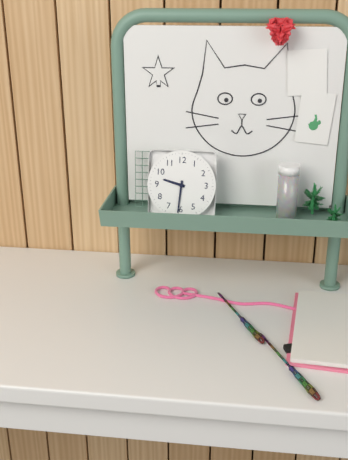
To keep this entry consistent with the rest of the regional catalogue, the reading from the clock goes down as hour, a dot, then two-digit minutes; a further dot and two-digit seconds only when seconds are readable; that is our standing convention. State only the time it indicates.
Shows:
9.31
